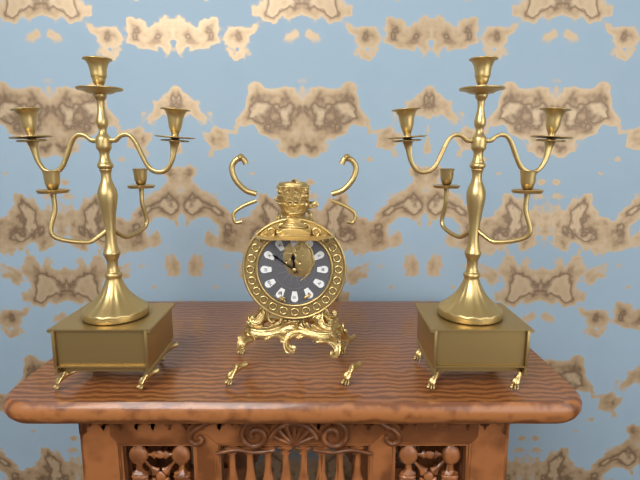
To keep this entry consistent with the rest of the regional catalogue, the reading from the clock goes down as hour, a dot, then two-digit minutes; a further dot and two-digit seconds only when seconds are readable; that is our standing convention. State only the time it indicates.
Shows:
11.51
